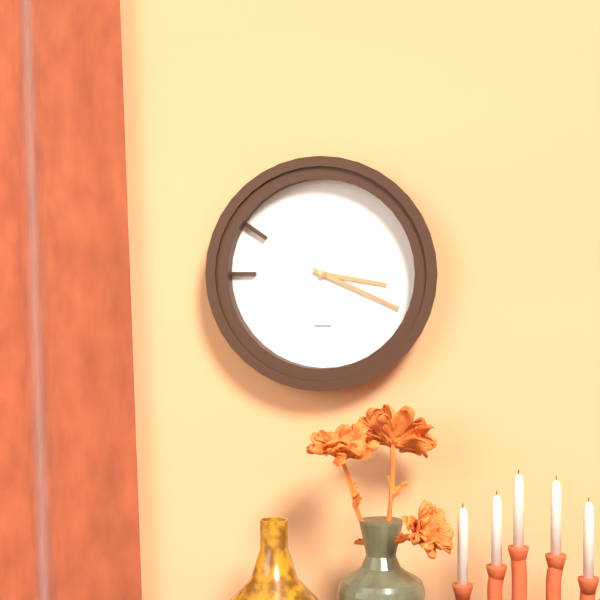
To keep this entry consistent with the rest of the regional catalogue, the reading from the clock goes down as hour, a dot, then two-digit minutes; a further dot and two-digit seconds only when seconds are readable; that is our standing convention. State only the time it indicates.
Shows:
3.19
